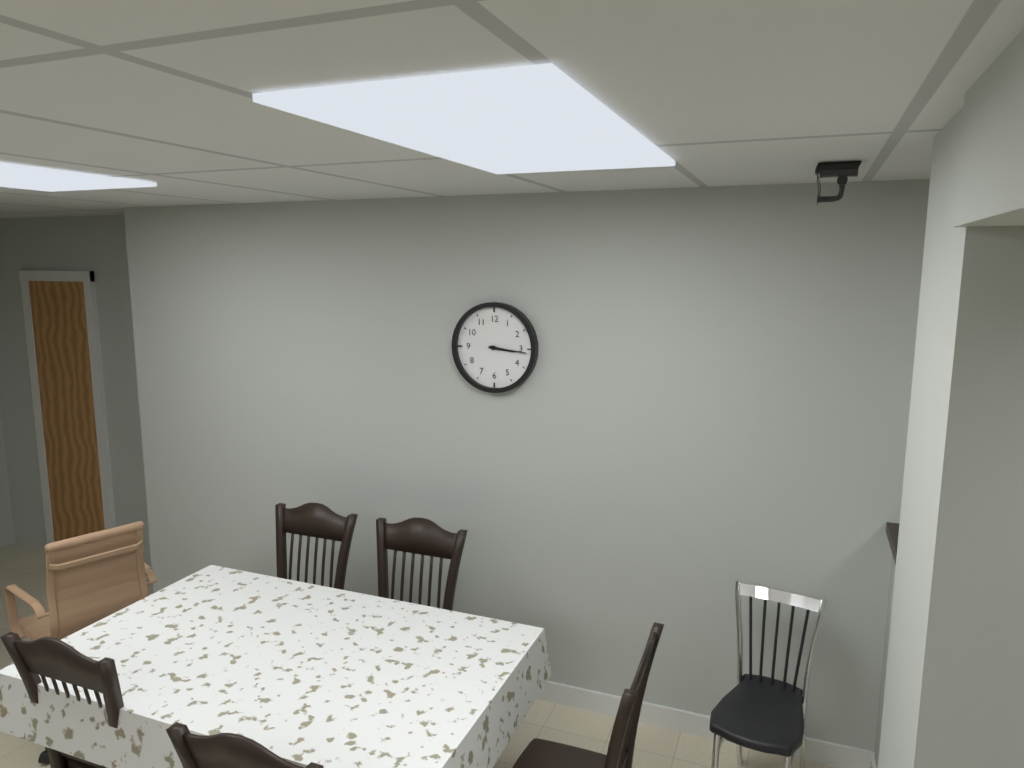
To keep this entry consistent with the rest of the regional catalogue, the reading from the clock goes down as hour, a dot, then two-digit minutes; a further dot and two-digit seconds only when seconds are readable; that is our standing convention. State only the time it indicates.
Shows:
3.16
